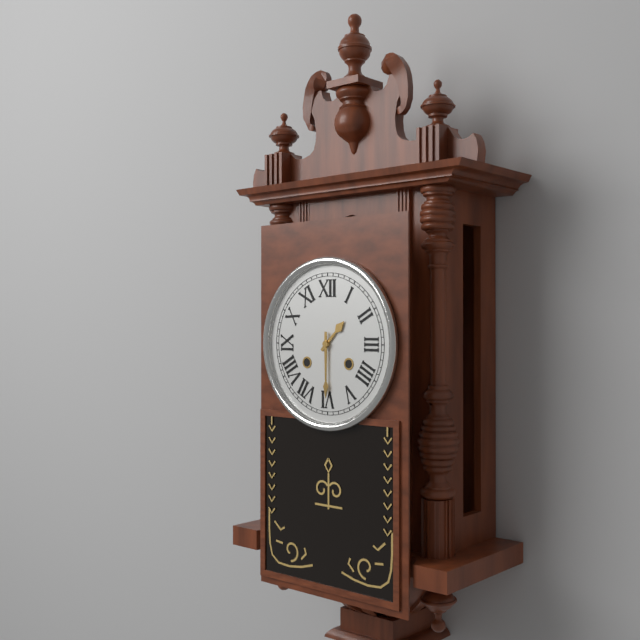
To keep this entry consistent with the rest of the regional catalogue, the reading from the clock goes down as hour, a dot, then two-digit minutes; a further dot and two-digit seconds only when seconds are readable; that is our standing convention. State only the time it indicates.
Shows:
1.30
